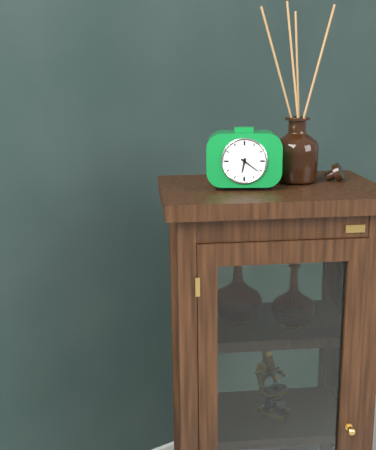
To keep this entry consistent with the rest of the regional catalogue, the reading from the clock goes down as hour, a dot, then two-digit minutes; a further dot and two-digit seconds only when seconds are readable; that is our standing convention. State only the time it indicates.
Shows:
6.21
